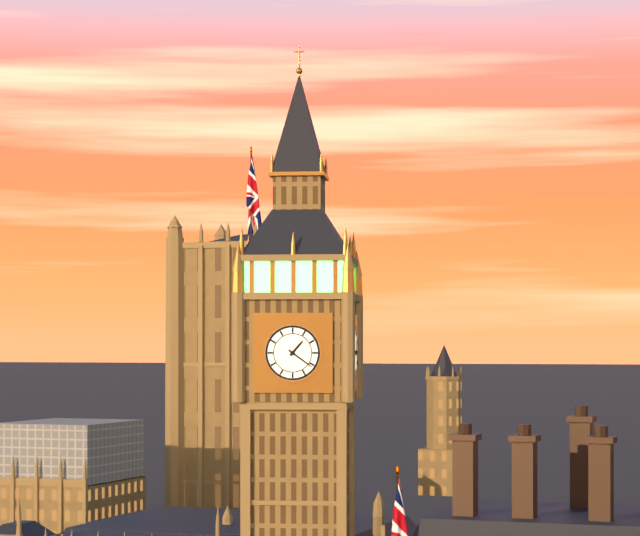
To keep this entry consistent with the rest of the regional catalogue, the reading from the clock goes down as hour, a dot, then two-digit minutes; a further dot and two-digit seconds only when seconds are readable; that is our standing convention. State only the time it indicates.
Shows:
1.21
